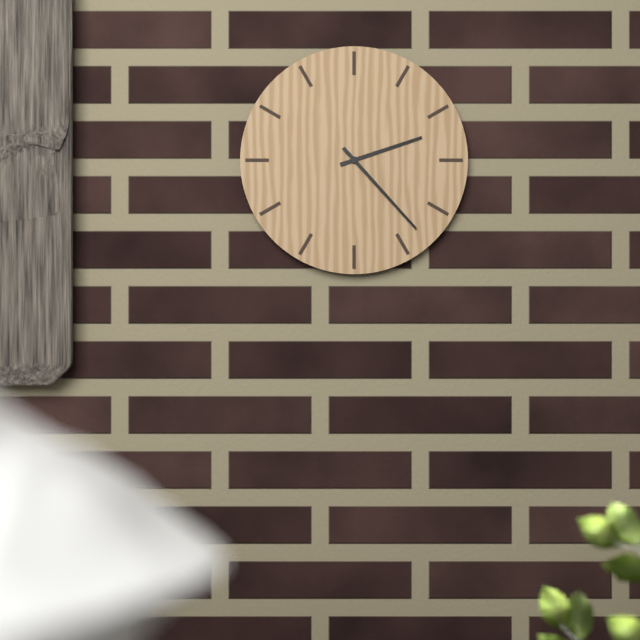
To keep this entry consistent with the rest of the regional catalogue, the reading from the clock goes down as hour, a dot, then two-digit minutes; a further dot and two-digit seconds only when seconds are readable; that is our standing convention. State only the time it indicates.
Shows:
2.23
